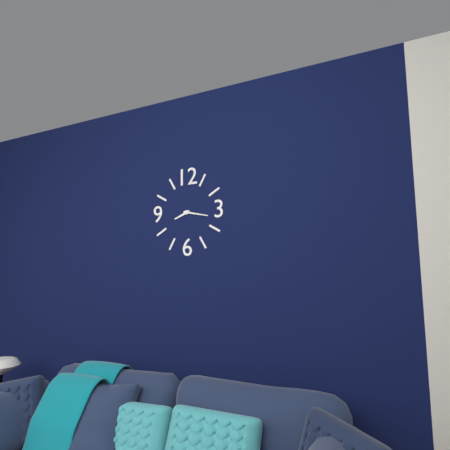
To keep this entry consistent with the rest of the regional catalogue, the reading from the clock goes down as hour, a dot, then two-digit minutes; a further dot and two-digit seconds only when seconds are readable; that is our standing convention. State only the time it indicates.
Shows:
8.17
